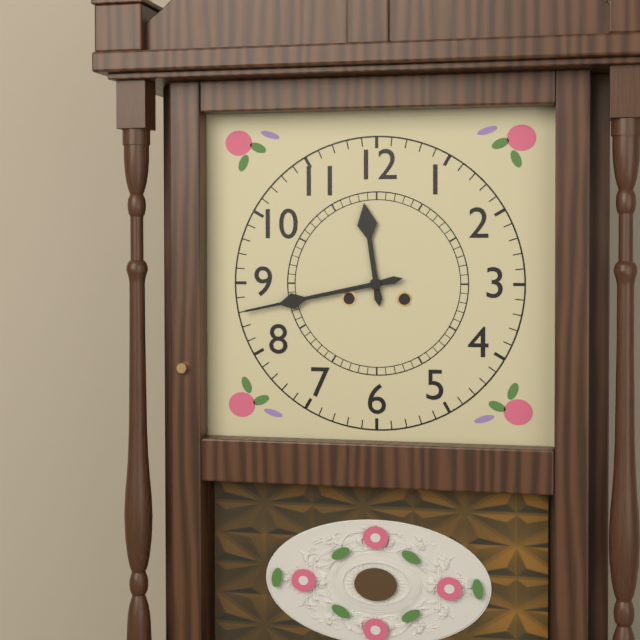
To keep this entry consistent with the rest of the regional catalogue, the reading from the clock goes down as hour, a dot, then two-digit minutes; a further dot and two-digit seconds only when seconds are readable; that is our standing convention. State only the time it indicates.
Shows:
11.43
